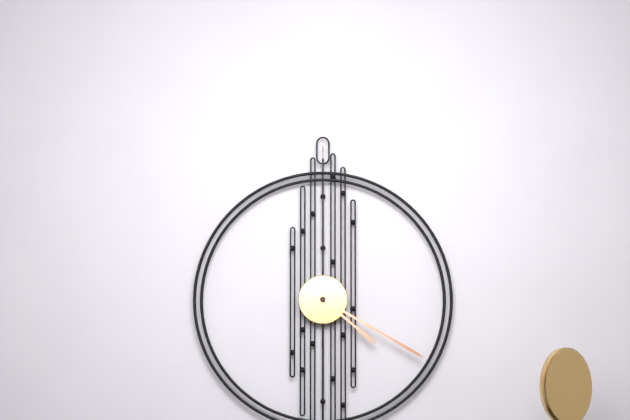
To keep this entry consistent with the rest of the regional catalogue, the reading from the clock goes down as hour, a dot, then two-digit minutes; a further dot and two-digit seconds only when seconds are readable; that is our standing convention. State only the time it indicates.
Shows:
4.20
